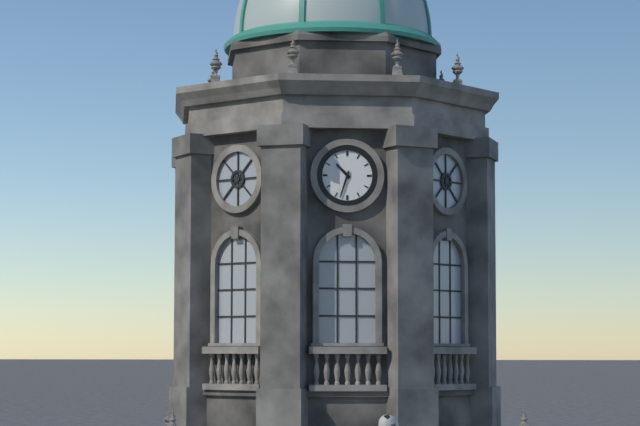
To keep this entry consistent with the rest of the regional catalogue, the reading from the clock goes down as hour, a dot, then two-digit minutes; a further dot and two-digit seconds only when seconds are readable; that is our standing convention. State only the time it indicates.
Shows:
10.33
